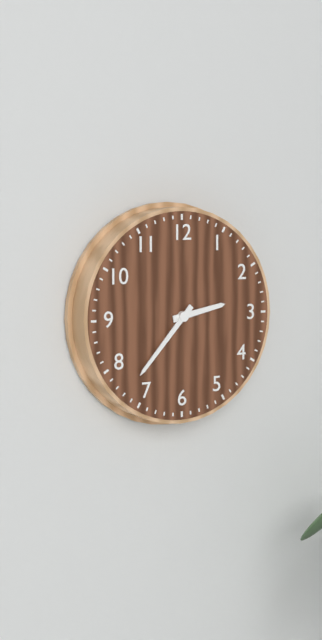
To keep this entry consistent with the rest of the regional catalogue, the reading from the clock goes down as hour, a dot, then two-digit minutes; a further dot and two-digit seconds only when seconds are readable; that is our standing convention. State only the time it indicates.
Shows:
2.37
